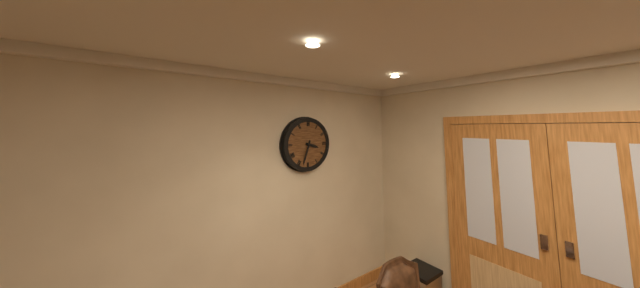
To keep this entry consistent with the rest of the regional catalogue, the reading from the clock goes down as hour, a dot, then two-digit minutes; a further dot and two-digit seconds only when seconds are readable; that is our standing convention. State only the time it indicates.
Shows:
3.33
